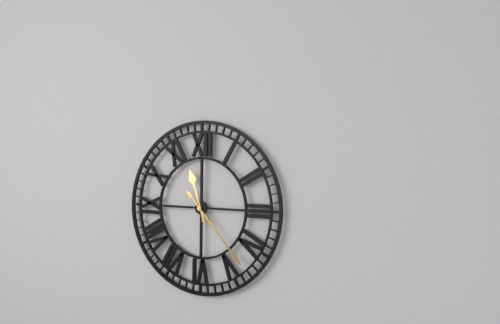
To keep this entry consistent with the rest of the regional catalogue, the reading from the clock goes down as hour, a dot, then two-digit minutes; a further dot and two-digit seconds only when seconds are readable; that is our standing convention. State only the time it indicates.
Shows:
11.23
